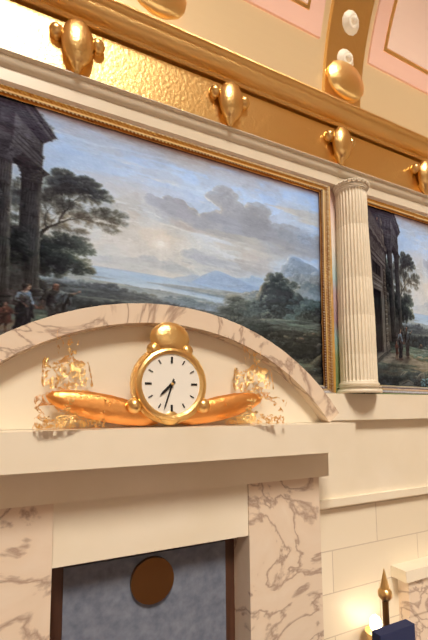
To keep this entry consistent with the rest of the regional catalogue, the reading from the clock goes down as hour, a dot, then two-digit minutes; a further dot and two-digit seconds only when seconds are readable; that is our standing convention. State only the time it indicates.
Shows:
7.33
